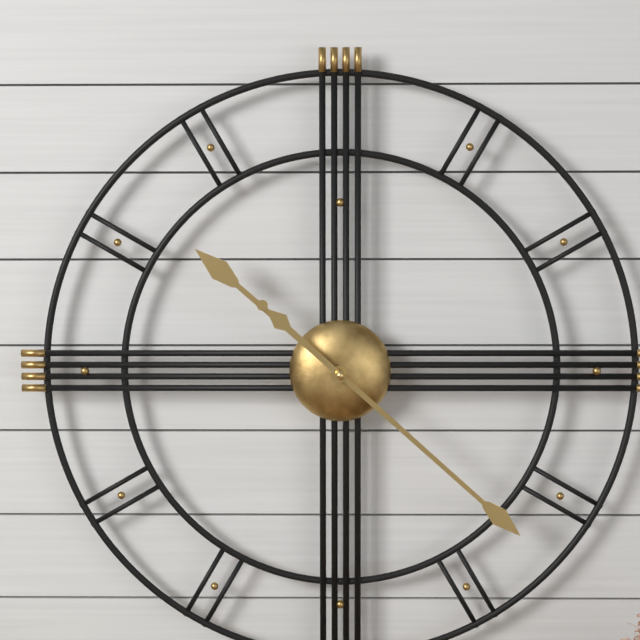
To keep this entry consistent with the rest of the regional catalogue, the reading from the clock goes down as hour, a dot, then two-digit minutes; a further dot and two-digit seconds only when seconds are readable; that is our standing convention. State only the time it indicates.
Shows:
10.22
